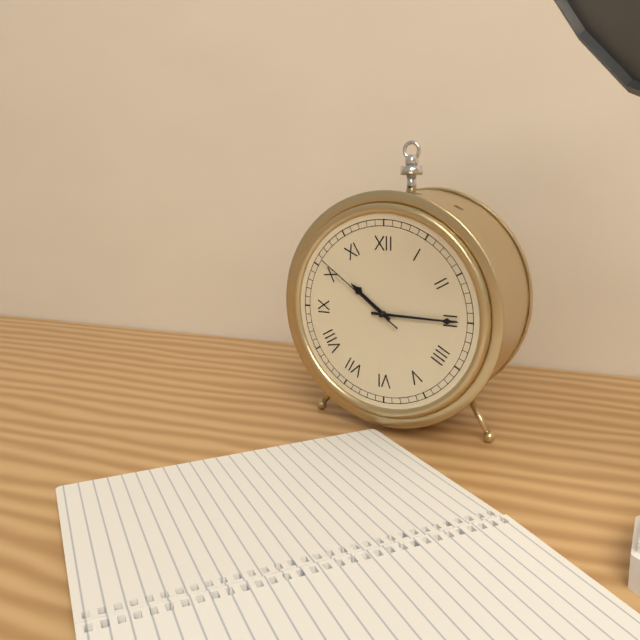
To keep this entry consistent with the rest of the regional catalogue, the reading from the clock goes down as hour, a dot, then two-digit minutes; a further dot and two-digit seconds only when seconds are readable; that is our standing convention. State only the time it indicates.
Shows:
10.15.51
